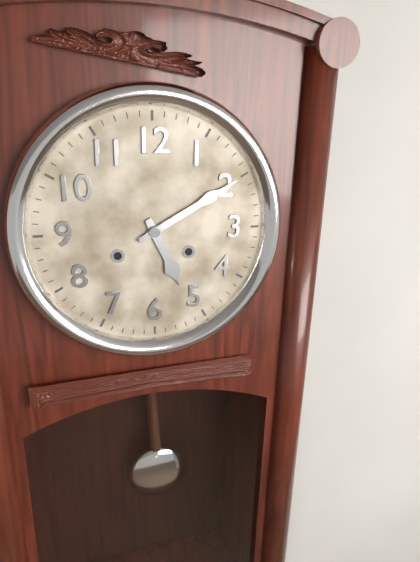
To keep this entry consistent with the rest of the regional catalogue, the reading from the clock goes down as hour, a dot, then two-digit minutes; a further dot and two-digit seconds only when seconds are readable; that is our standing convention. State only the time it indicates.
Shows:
5.10
